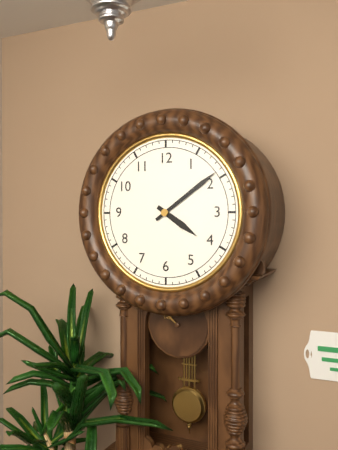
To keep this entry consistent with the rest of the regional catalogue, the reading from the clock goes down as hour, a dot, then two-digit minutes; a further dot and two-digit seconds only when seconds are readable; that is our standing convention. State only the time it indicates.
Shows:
4.09
